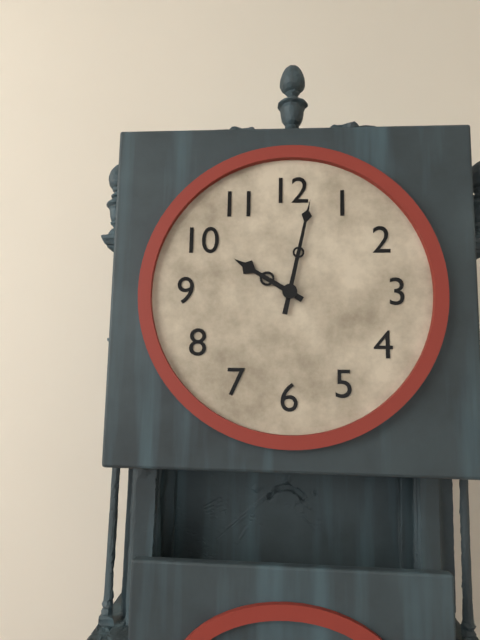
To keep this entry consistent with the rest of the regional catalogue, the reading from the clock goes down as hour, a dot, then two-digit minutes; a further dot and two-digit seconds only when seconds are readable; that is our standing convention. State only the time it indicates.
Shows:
10.02
